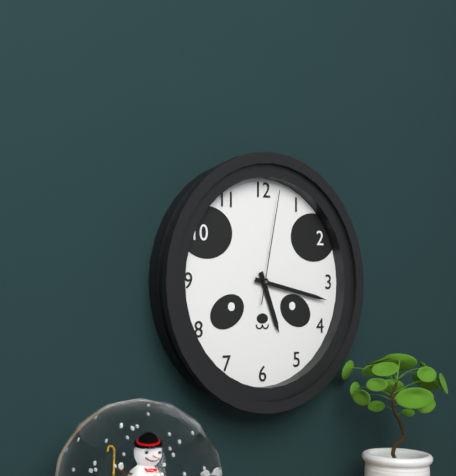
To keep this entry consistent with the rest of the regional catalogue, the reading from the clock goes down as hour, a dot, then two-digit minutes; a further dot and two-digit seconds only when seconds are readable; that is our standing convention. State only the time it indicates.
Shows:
5.17.02
